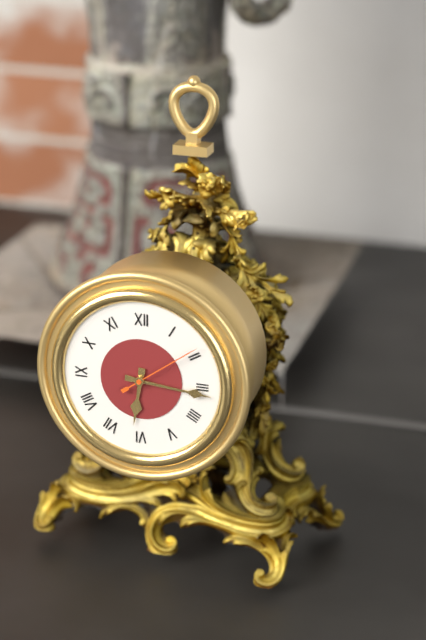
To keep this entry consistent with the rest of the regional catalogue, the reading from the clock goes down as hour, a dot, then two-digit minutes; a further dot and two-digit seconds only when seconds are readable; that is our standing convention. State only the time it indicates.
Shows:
6.16.09
